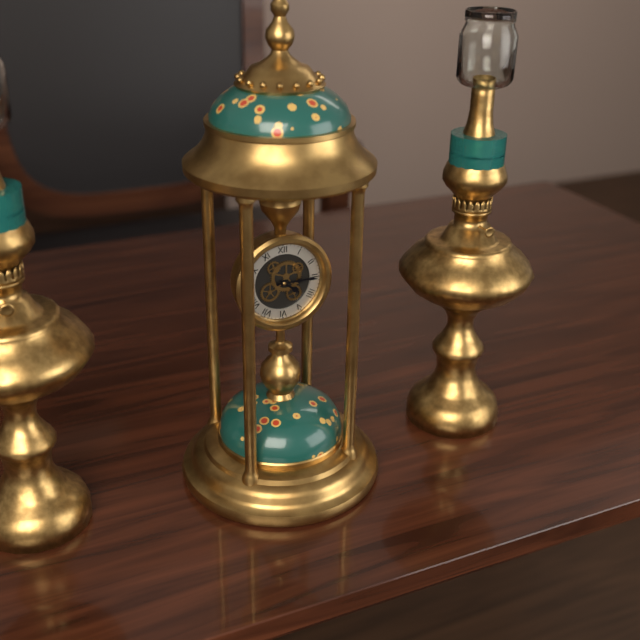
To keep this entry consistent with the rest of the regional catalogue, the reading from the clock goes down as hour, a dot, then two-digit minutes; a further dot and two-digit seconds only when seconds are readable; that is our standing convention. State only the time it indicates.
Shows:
4.15
